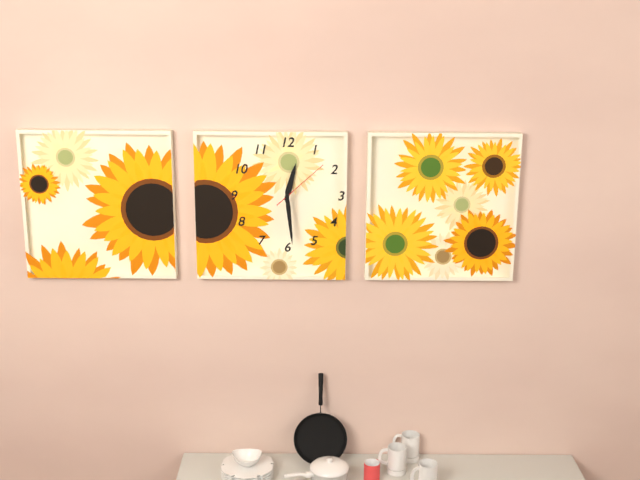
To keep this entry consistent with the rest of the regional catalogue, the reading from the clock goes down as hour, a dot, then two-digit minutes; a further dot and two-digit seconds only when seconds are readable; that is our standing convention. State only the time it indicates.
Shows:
12.29.08
